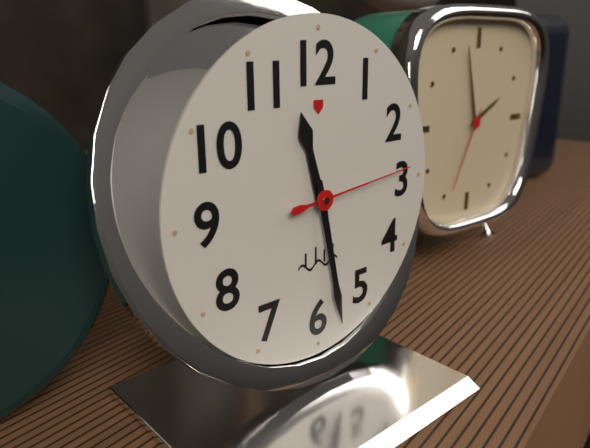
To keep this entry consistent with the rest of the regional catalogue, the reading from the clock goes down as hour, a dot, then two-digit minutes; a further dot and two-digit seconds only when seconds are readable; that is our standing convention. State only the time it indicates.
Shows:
11.28.14
